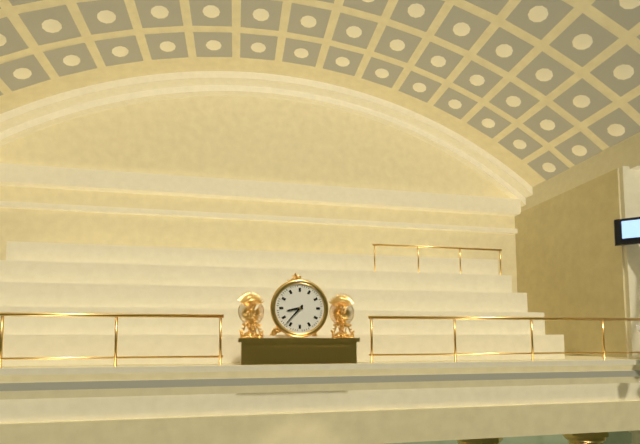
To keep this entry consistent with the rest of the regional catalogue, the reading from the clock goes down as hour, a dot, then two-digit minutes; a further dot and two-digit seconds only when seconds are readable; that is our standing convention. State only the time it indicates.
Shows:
8.37
